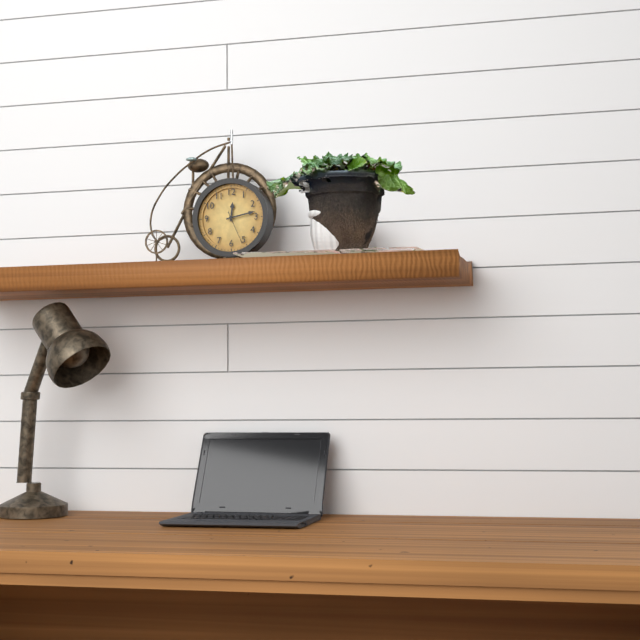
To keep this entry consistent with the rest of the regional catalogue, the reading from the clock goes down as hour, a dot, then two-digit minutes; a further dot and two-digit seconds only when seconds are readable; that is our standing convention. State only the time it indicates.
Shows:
12.13
